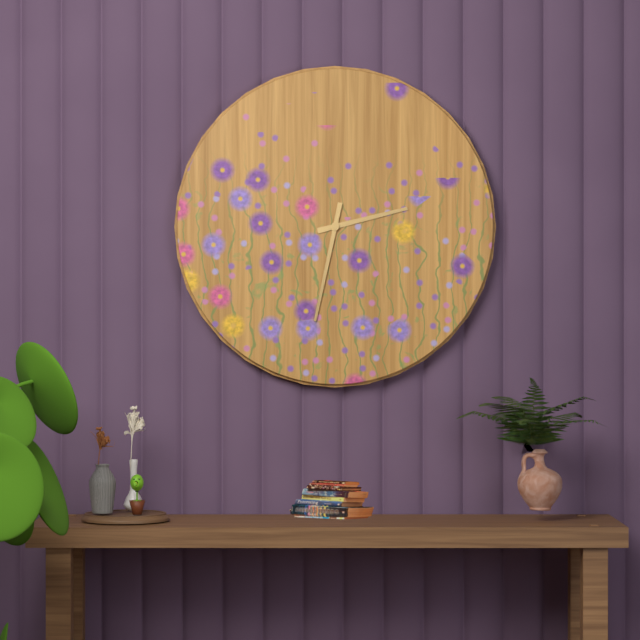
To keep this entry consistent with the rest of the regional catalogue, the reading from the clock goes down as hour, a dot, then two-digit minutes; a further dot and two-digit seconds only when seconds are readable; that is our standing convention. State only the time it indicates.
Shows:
2.32
